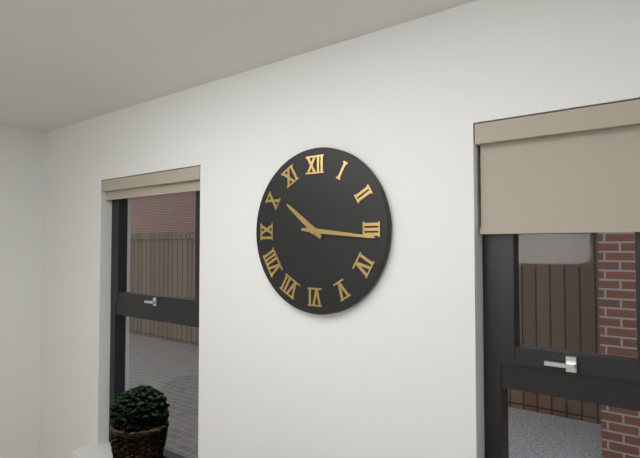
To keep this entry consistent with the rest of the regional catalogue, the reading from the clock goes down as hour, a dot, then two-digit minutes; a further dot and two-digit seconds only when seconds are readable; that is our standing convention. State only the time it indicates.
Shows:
10.16
